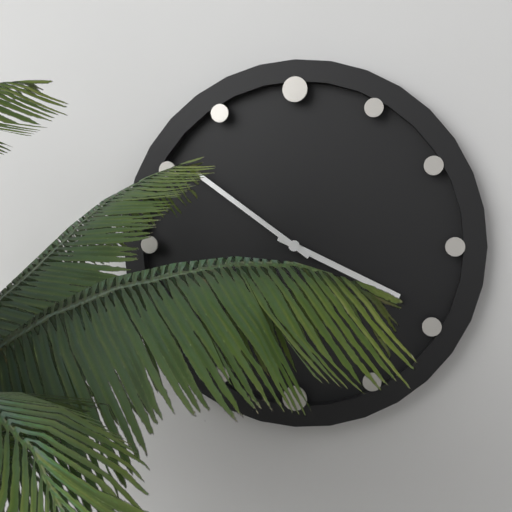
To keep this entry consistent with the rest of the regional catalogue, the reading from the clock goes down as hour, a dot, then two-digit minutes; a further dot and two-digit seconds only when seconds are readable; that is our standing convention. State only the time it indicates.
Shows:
3.51
